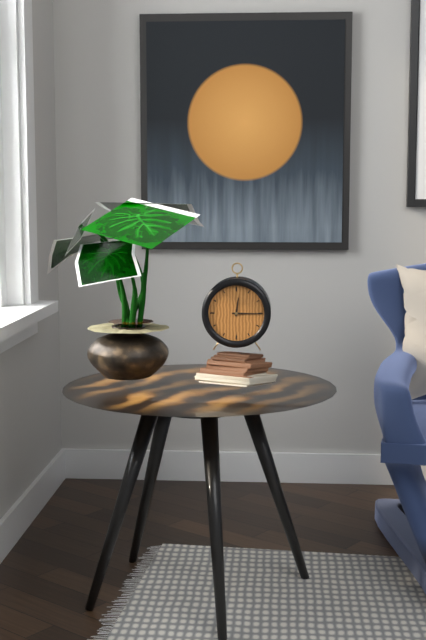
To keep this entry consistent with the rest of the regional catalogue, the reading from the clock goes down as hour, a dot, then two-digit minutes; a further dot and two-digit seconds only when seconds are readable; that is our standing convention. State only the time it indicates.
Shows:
12.15
